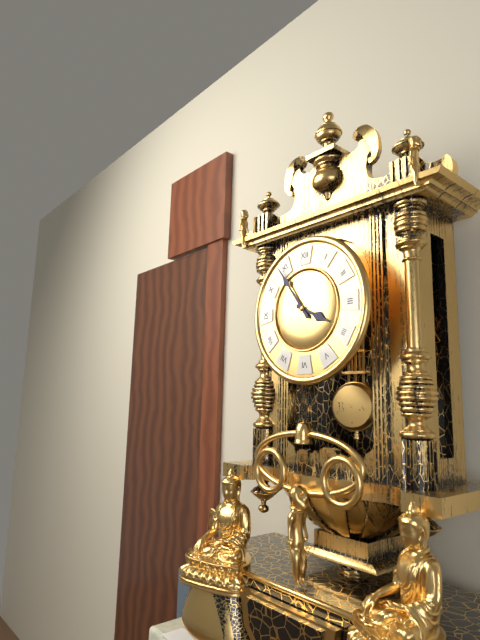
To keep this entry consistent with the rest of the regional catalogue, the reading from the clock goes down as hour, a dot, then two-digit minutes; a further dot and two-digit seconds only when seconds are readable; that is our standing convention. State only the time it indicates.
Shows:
3.54
